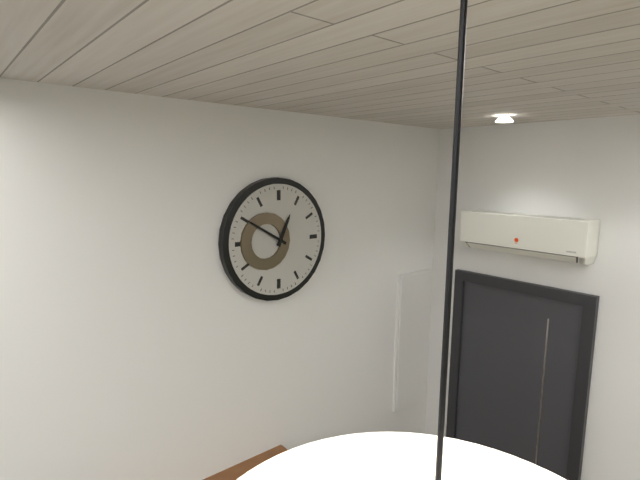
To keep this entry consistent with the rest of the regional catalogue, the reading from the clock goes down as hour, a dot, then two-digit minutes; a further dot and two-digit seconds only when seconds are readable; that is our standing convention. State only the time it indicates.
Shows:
12.50
